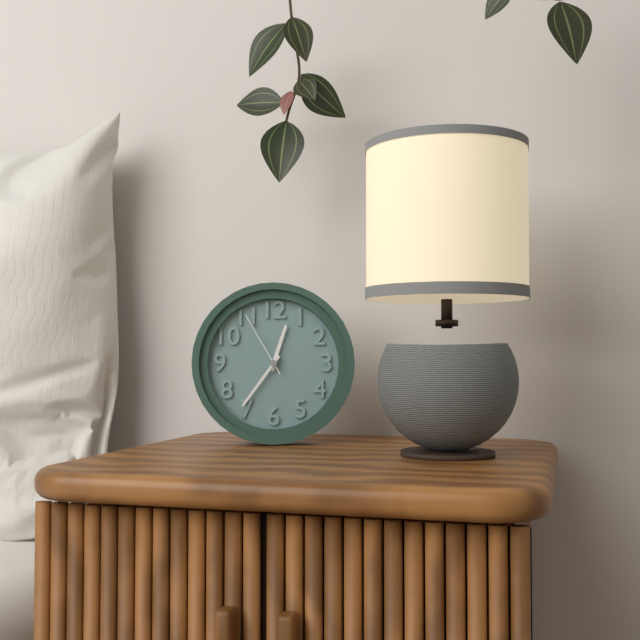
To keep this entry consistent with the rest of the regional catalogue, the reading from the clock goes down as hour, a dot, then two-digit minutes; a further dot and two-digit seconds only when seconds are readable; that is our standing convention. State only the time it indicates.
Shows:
12.36.55
